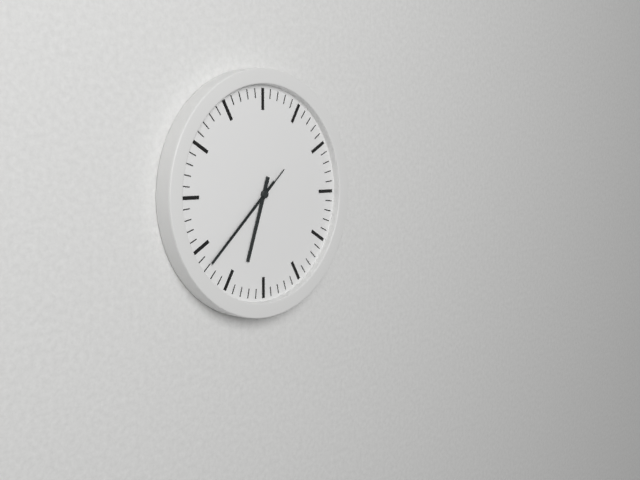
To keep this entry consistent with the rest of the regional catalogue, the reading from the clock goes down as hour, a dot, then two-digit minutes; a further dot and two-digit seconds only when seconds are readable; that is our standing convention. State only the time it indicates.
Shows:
6.38.38
